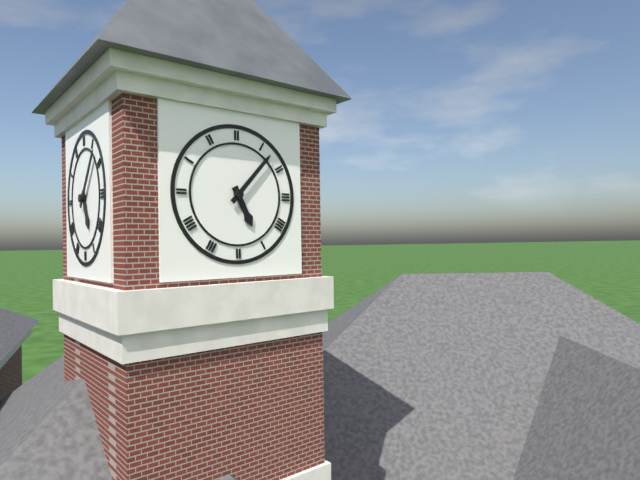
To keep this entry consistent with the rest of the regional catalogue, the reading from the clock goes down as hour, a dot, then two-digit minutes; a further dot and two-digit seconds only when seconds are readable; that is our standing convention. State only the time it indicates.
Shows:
5.07
